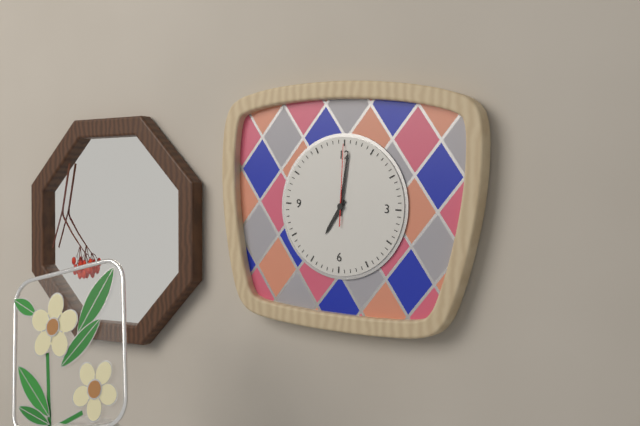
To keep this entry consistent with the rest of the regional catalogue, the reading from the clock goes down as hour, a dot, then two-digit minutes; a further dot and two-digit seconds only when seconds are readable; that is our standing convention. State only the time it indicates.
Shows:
7.01.00
